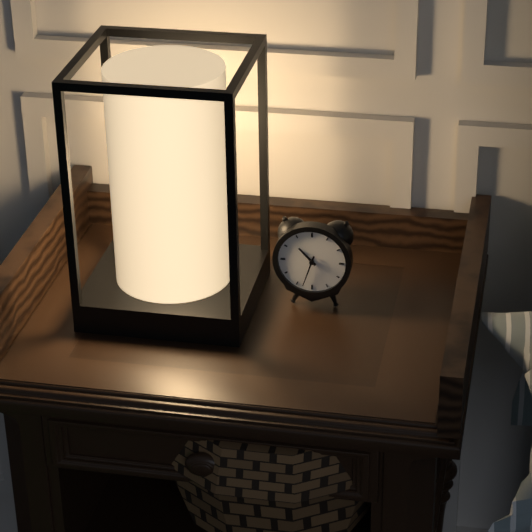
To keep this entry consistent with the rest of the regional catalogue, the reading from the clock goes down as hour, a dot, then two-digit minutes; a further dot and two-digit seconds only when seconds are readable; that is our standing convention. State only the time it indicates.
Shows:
10.33
